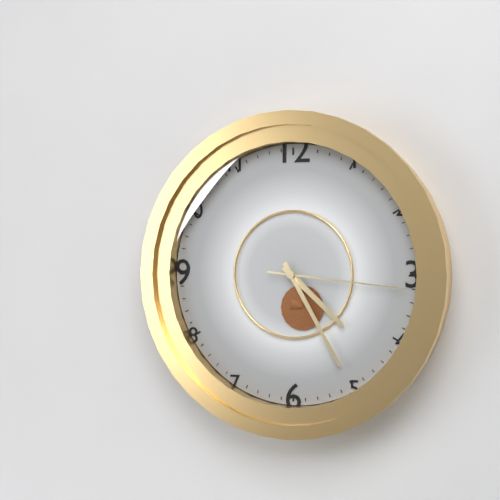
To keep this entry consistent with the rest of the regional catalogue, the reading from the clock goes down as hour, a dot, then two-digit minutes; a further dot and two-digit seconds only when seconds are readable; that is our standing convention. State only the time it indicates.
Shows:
4.25.16
